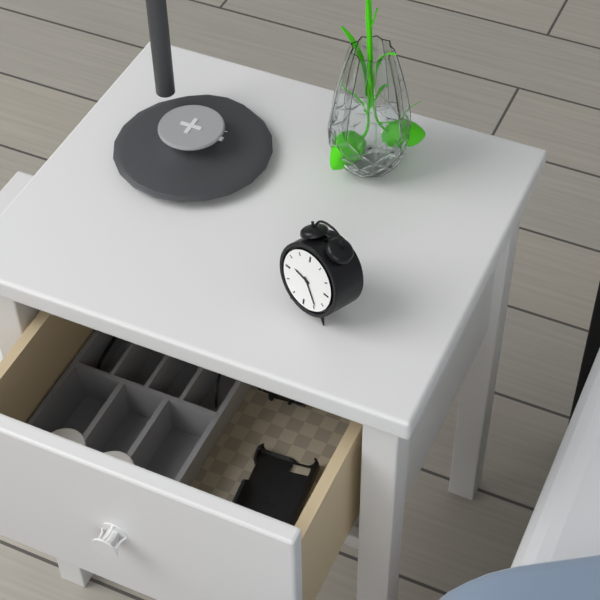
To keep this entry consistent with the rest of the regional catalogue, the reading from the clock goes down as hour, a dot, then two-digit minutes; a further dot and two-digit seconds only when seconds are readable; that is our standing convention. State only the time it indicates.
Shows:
9.24
